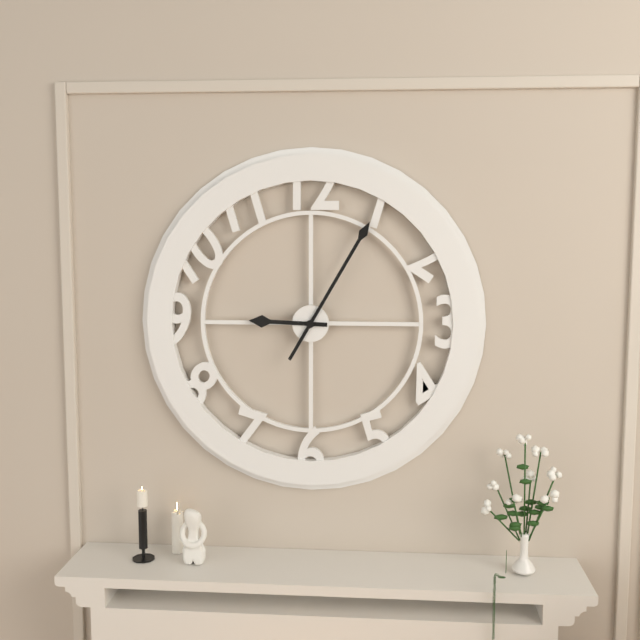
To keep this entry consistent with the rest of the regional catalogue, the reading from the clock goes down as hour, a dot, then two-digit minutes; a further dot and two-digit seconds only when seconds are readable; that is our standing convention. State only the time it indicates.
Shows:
9.05
